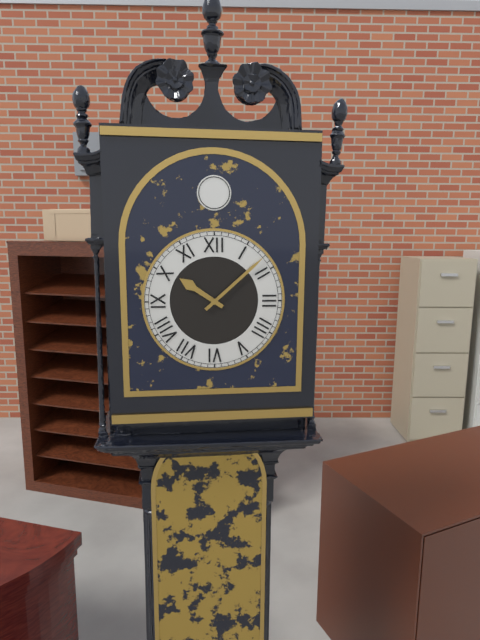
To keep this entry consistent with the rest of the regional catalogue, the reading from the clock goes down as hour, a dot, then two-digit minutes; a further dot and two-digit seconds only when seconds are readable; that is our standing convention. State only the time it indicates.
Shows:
10.08
